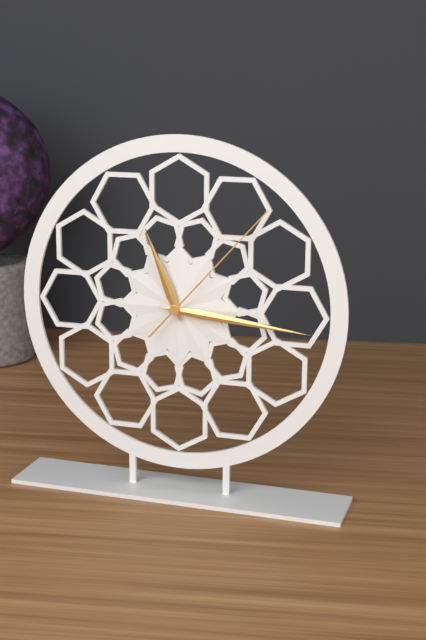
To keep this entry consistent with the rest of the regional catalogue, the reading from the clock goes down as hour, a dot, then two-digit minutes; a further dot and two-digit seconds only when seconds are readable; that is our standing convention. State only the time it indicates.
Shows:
11.16.07
